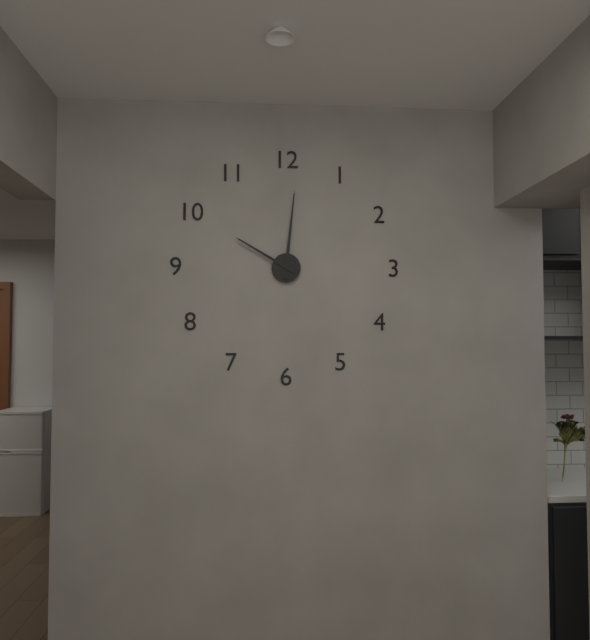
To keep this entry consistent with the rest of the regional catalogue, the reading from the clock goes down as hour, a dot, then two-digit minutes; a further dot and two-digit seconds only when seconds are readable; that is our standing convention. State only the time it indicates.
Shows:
10.01
